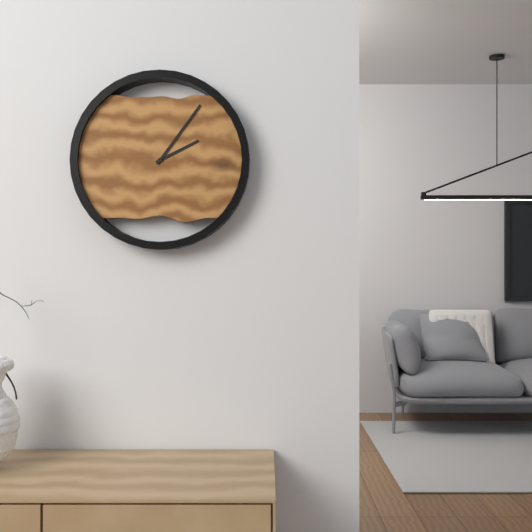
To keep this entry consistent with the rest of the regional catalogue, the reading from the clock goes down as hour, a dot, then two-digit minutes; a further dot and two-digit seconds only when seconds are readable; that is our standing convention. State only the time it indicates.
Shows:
2.06
